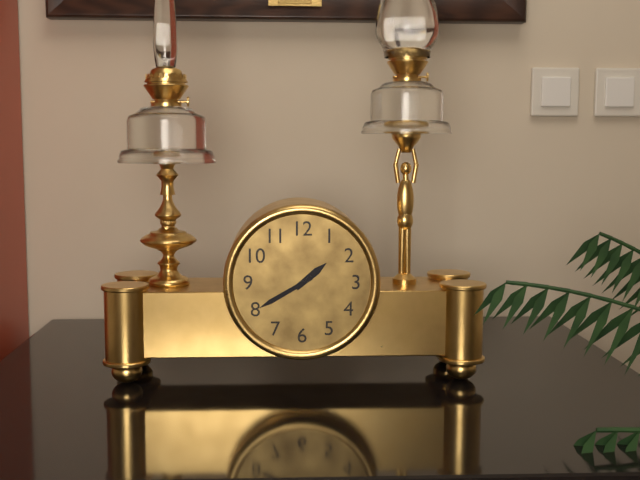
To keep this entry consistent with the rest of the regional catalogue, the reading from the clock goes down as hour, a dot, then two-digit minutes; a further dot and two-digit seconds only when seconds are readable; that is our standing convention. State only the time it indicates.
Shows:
1.40
